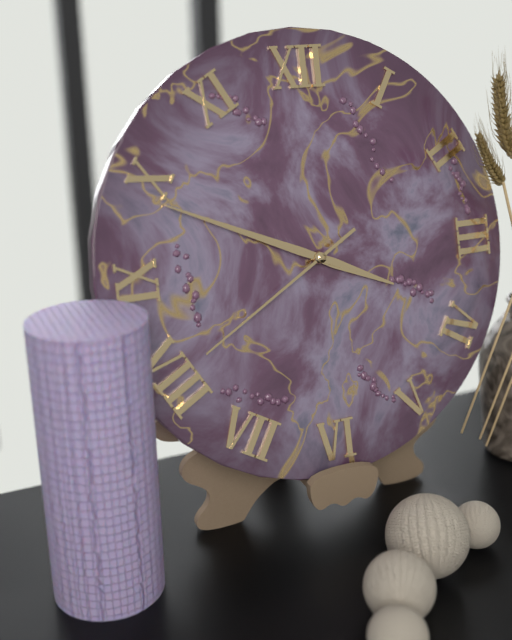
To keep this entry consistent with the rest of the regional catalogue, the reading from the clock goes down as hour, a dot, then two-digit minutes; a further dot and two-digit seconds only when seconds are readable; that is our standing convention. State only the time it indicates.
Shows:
3.49.40
